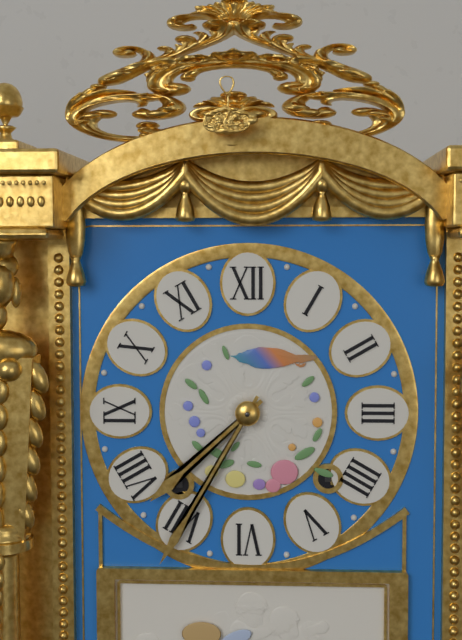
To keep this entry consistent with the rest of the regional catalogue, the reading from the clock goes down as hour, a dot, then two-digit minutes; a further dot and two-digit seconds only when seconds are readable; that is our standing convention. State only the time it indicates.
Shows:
7.35
